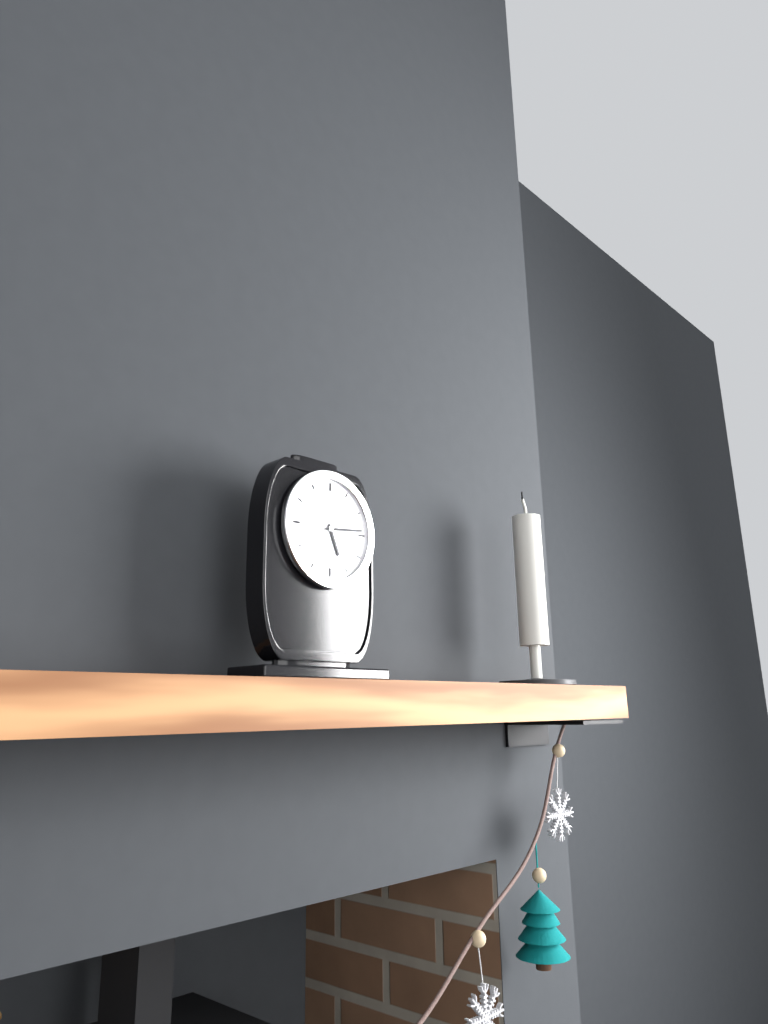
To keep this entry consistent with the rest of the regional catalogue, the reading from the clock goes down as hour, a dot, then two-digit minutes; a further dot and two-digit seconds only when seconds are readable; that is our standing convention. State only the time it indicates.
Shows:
5.14
